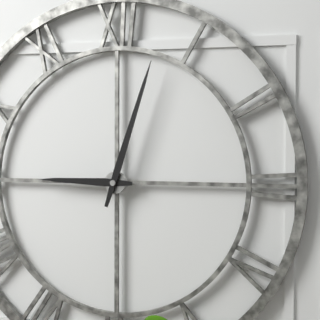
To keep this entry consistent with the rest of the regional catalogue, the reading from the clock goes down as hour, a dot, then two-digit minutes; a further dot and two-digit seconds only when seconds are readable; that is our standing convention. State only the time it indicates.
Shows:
9.03
